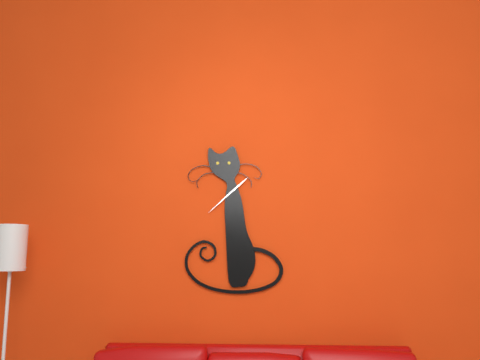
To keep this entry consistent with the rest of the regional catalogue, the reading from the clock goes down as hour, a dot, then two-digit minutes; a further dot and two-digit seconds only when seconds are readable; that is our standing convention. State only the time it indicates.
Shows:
1.38
